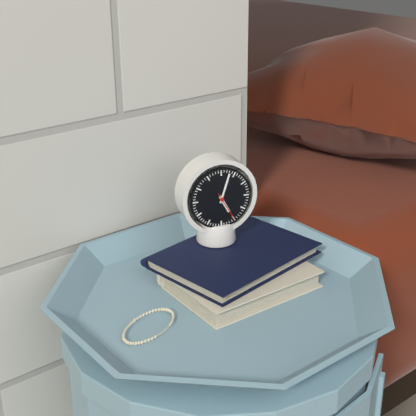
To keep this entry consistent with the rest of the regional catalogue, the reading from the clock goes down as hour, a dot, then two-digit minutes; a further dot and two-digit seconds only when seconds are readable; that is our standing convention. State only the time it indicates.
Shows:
5.03
